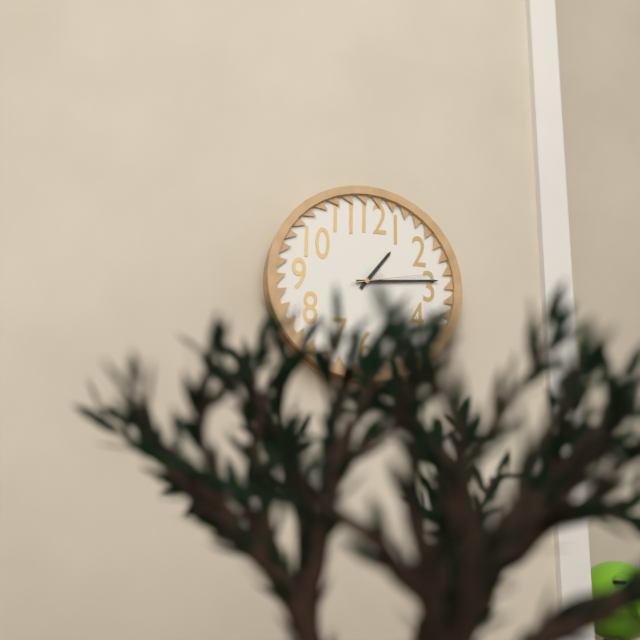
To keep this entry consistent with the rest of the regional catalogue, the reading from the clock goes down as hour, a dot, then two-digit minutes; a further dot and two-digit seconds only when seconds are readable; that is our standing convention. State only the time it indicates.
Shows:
1.14.13
